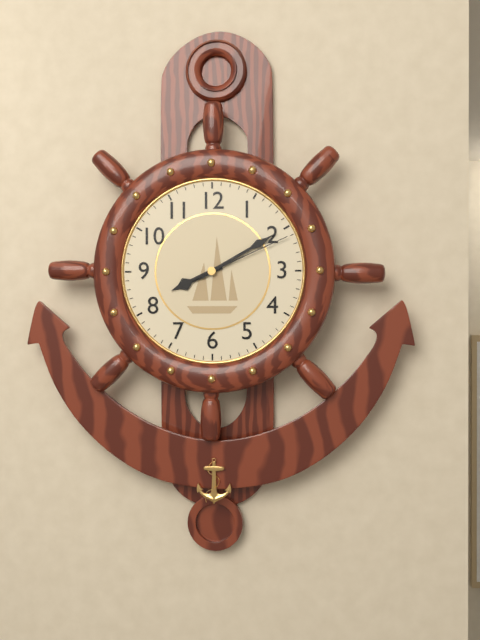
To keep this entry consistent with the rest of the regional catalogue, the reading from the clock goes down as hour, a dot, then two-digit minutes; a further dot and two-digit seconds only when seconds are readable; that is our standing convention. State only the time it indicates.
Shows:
8.10.11
